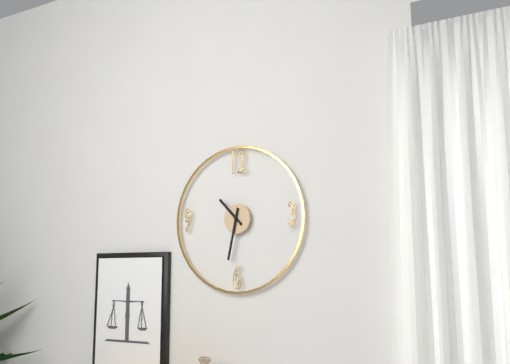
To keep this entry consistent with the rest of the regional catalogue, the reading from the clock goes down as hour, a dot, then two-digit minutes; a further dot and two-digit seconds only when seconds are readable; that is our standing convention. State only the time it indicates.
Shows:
10.32
